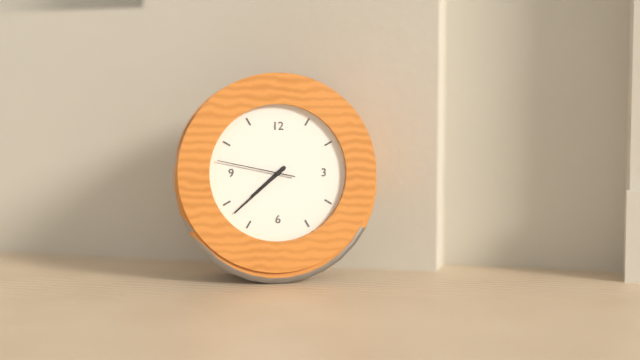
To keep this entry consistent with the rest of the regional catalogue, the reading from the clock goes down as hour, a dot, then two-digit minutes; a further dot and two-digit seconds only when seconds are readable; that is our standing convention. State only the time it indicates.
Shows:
7.38.47
